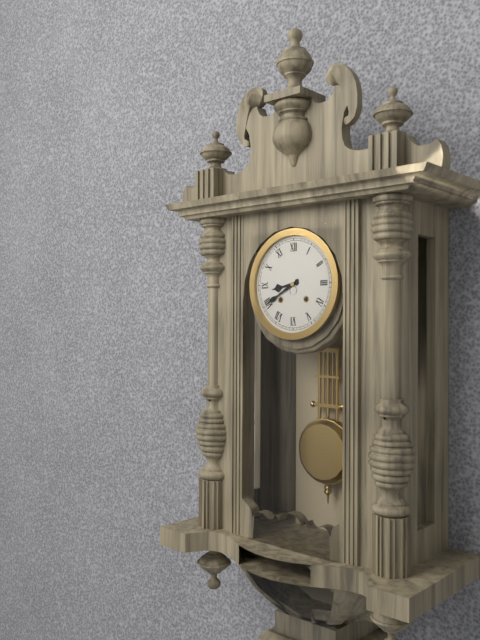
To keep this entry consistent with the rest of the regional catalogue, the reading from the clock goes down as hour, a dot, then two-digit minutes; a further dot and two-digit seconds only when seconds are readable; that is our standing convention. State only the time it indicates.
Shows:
8.40
